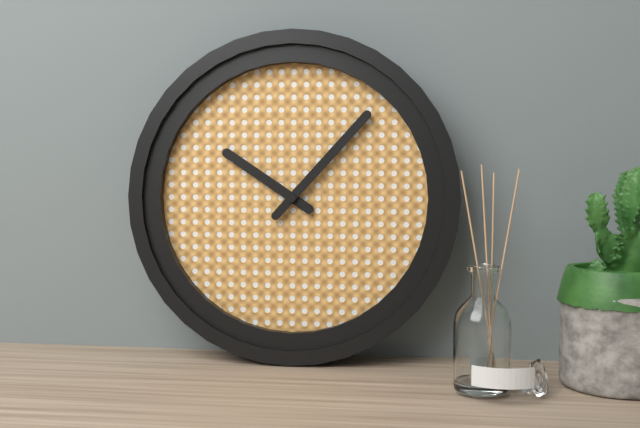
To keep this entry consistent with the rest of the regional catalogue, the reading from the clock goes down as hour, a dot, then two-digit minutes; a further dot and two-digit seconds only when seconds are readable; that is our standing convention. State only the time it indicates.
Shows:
10.07
